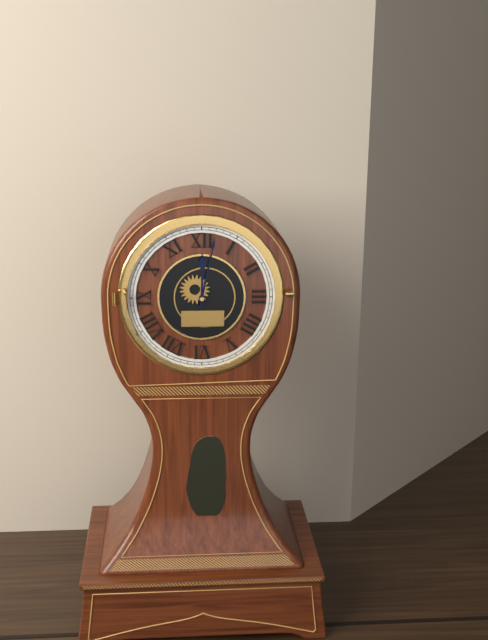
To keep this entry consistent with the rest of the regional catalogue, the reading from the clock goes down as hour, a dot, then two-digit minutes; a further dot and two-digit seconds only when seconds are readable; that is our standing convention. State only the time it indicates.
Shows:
12.02
